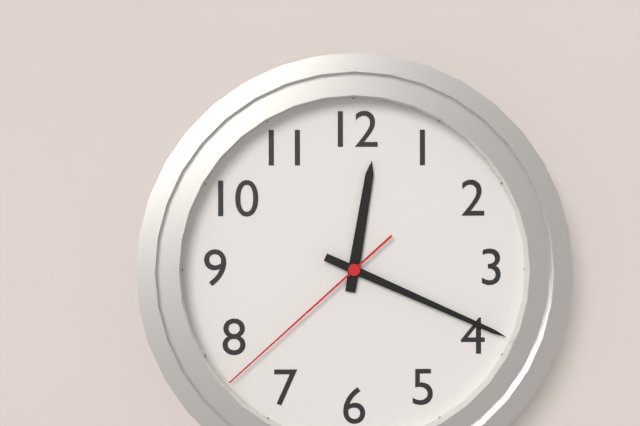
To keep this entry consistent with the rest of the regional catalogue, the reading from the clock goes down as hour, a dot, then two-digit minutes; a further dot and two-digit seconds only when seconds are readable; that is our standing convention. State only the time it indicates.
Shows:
12.19.38
